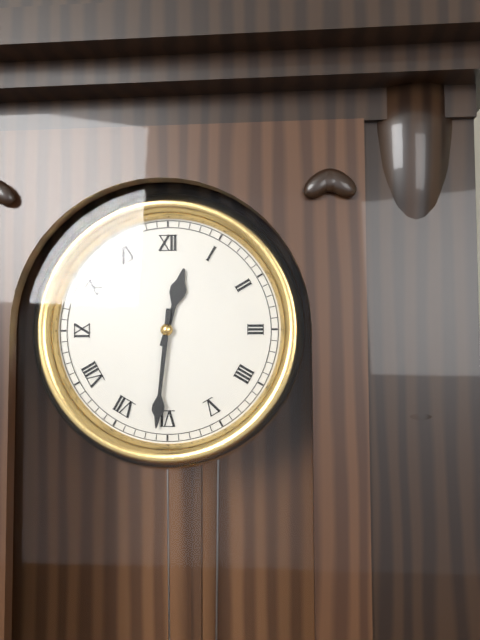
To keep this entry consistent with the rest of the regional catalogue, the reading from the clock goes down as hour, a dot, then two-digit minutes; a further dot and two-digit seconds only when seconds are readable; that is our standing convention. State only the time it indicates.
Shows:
12.31
